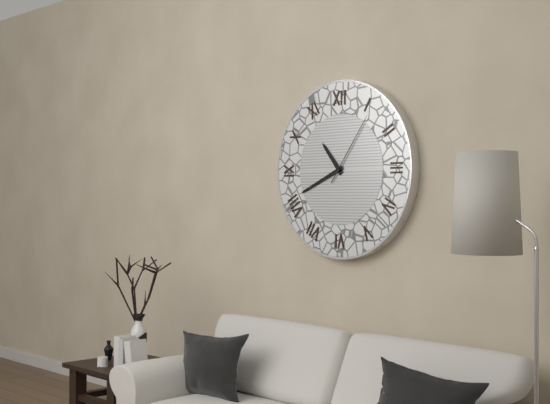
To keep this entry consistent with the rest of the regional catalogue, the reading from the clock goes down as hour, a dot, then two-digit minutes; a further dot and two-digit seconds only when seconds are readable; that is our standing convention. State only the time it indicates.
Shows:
10.41.06
